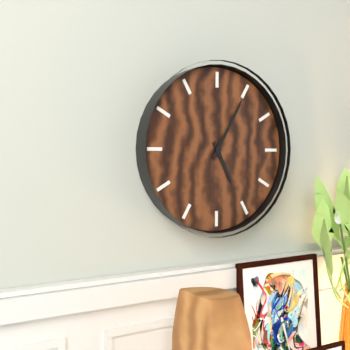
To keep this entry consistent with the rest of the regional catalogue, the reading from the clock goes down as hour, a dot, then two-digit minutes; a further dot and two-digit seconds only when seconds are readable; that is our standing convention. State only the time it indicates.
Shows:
5.05
